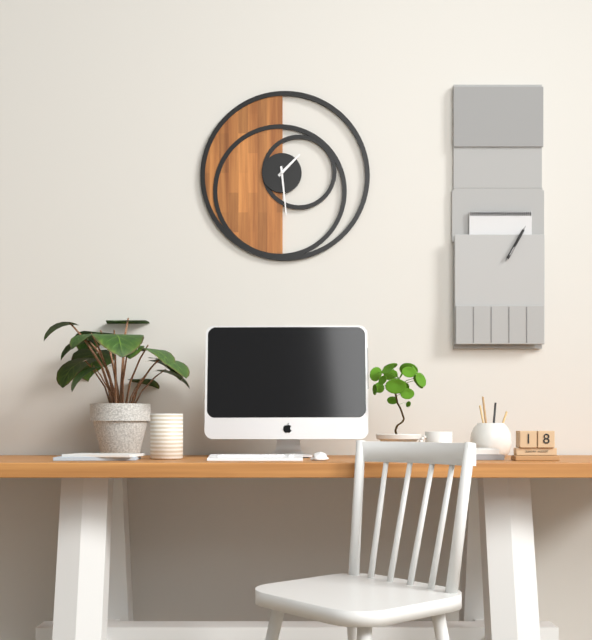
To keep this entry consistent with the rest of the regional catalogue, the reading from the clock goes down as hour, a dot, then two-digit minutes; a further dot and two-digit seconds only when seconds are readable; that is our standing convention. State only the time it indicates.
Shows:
1.29
